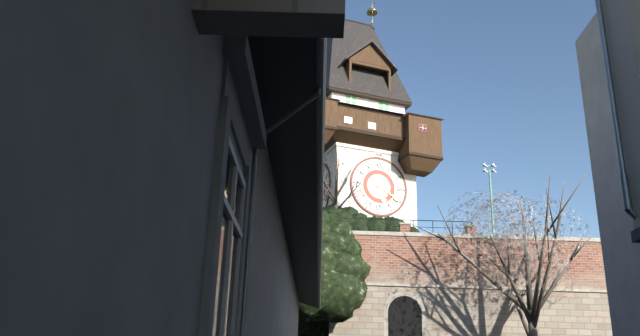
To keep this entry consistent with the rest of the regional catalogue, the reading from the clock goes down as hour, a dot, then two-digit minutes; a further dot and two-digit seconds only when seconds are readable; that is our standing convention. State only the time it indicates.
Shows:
5.20
